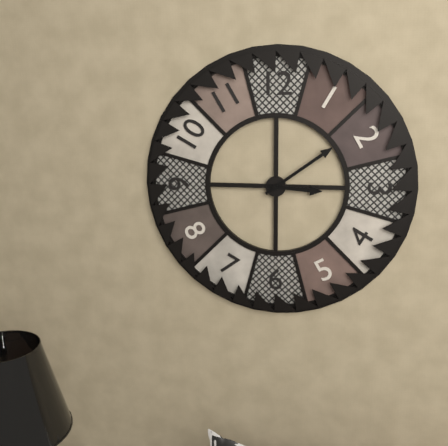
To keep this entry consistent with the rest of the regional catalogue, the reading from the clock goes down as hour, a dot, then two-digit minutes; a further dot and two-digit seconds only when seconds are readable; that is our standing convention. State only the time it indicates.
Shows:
3.09
